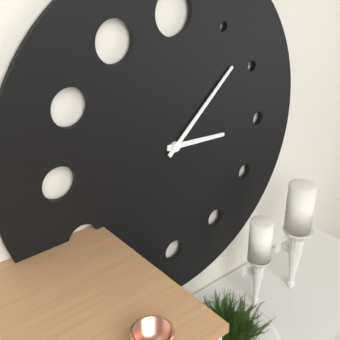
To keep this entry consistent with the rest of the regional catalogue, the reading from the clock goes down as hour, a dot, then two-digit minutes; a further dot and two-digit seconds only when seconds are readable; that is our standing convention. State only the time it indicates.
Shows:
3.08
